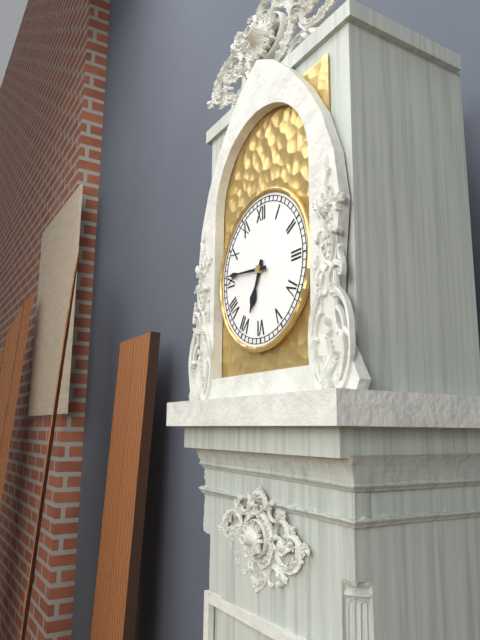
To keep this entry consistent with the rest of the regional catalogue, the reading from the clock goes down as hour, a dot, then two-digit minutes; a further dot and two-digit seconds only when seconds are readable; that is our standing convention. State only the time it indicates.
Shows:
6.46
